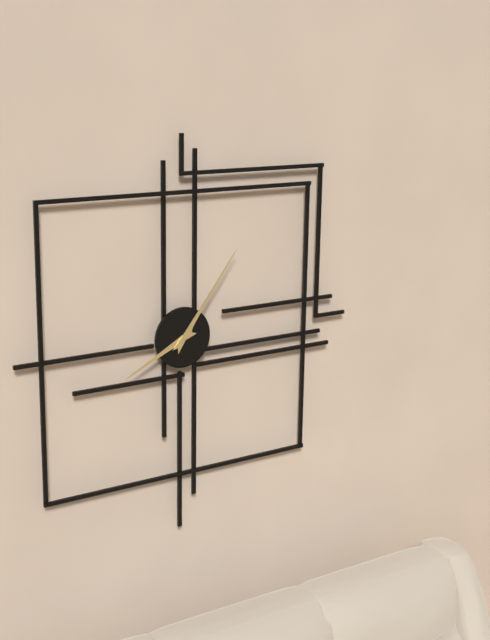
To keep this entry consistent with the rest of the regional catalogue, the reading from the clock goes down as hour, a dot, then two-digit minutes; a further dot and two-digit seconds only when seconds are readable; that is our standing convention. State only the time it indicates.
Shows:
8.06
